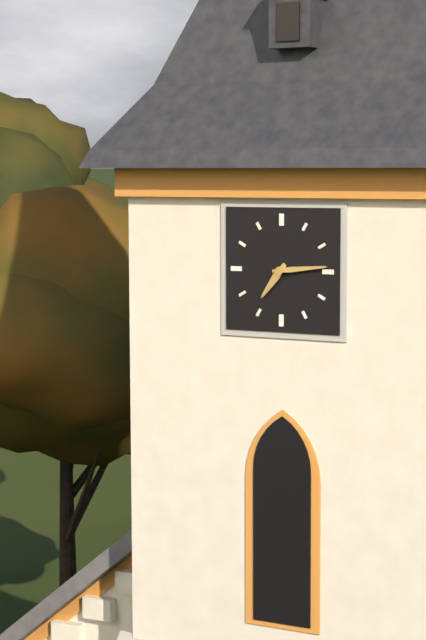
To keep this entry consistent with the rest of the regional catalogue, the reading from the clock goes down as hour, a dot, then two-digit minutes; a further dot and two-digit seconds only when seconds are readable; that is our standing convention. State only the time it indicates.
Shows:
7.14
